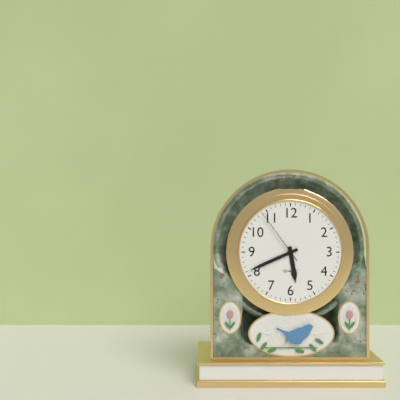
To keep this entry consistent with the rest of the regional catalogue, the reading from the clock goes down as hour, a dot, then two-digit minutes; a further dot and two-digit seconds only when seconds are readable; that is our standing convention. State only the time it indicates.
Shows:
5.41.54
